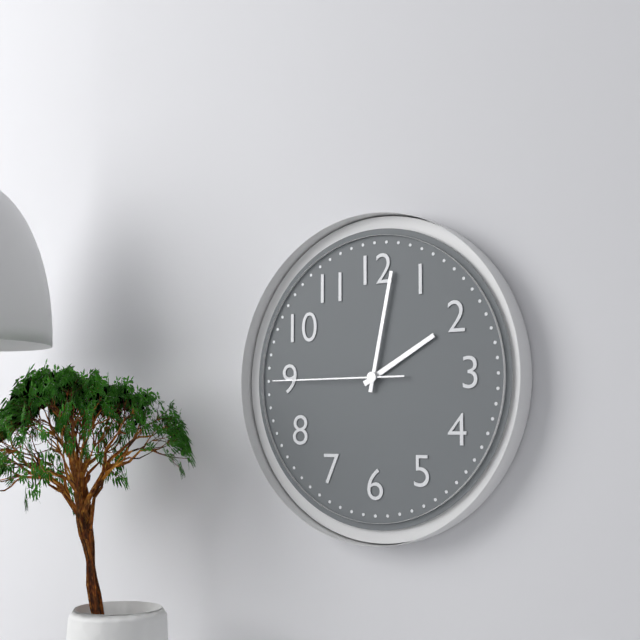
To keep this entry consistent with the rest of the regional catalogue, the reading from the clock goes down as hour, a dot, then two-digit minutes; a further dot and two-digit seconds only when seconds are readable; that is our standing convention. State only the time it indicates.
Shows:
2.02.45
